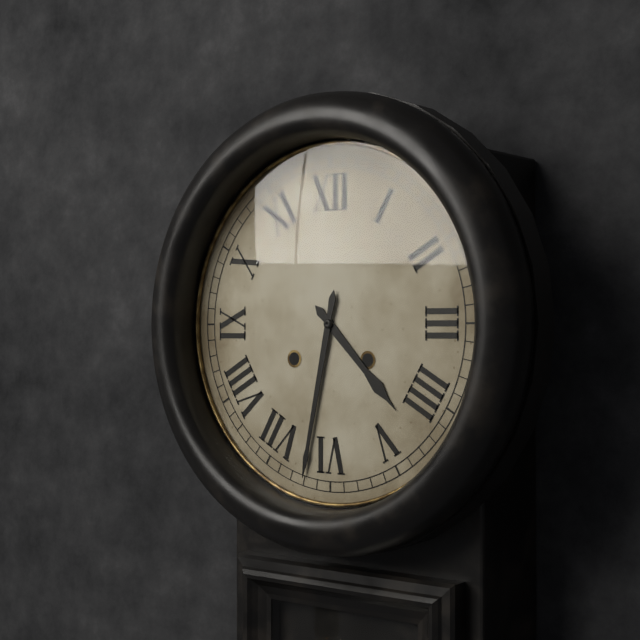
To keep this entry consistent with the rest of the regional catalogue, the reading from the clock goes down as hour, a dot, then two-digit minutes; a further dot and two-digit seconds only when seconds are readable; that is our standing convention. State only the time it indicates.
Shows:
4.32
